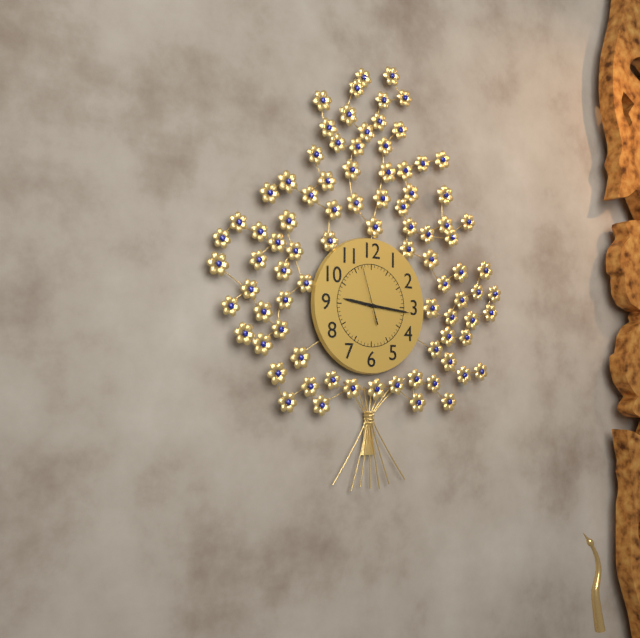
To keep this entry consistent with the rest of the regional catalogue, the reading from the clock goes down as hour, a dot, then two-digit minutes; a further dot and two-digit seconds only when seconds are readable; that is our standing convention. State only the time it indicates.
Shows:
9.16.57
